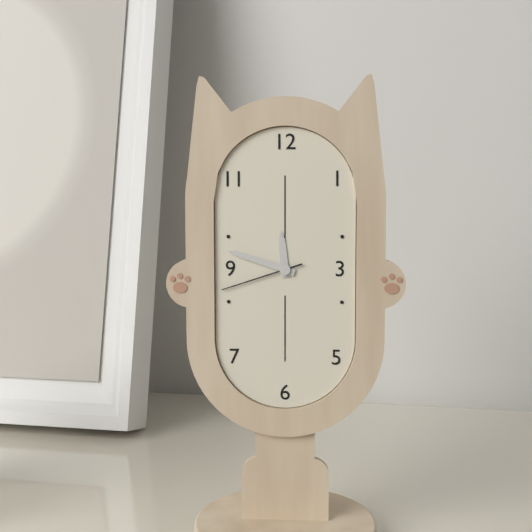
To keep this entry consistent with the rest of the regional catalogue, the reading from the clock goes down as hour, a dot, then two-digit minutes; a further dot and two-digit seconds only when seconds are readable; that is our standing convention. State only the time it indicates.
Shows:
11.48.42
